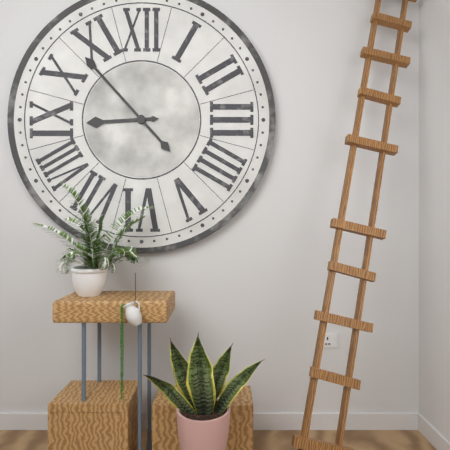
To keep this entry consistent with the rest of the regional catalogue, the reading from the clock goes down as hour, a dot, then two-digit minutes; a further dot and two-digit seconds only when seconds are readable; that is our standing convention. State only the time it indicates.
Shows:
8.53
